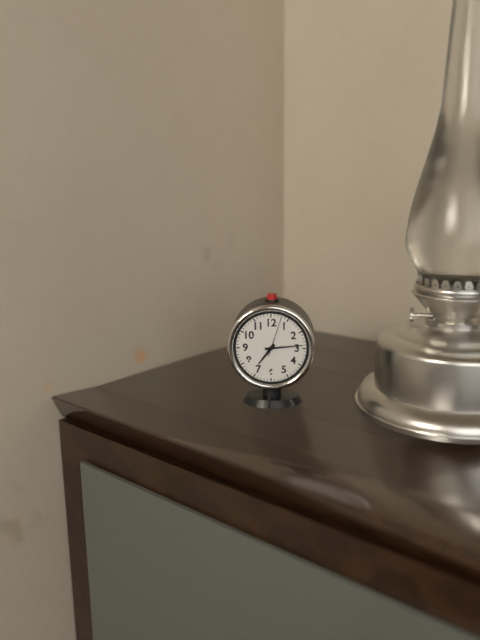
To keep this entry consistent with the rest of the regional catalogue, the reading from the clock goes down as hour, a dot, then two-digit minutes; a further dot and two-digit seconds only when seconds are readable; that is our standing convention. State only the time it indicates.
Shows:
7.14
